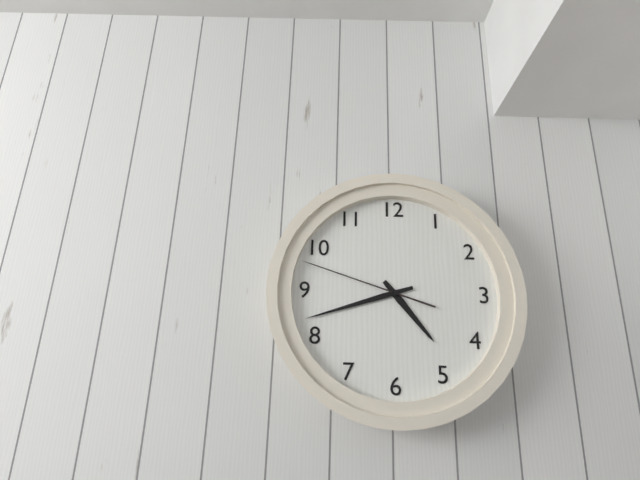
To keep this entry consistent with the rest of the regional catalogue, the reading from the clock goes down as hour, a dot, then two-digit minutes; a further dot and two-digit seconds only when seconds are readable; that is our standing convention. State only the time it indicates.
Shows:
4.42.48
